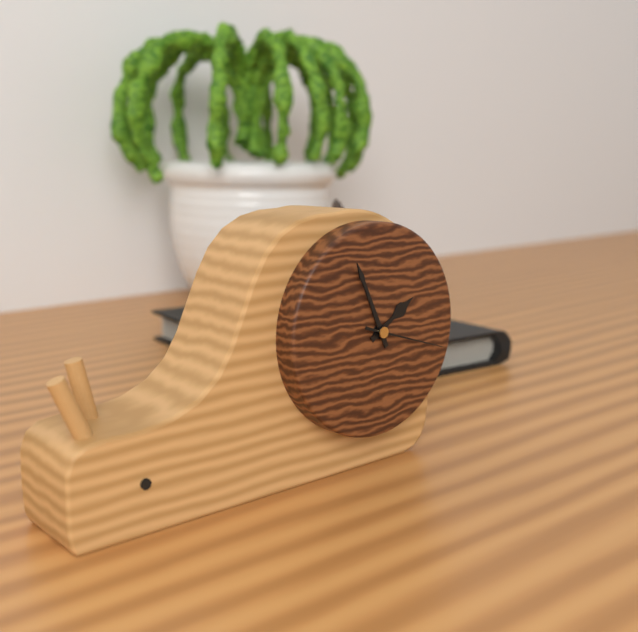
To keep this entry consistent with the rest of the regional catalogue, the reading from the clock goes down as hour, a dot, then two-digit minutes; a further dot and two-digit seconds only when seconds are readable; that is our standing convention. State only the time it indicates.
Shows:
1.56.18
